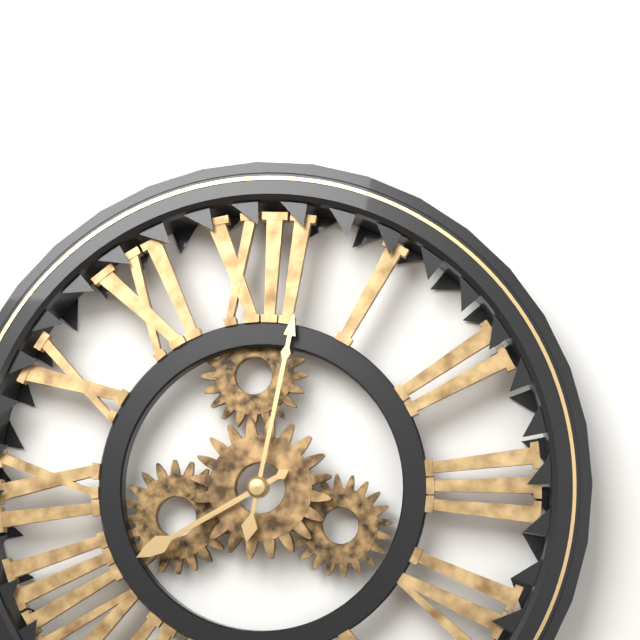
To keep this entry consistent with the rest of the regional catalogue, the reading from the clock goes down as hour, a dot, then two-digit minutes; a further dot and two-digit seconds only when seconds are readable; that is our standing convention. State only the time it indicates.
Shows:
8.02
